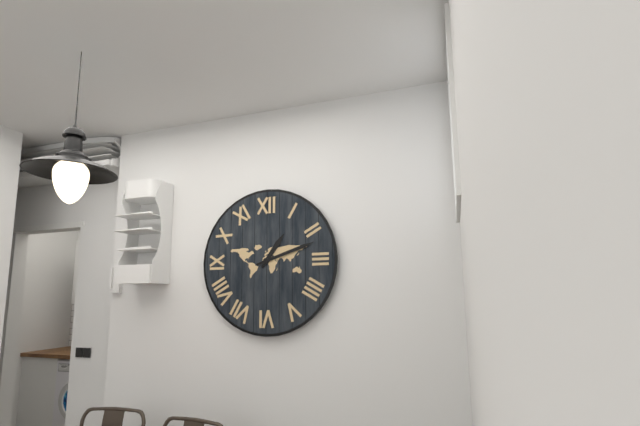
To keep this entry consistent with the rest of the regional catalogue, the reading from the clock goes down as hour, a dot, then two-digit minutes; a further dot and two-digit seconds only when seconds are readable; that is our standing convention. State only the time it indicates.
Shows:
1.12
